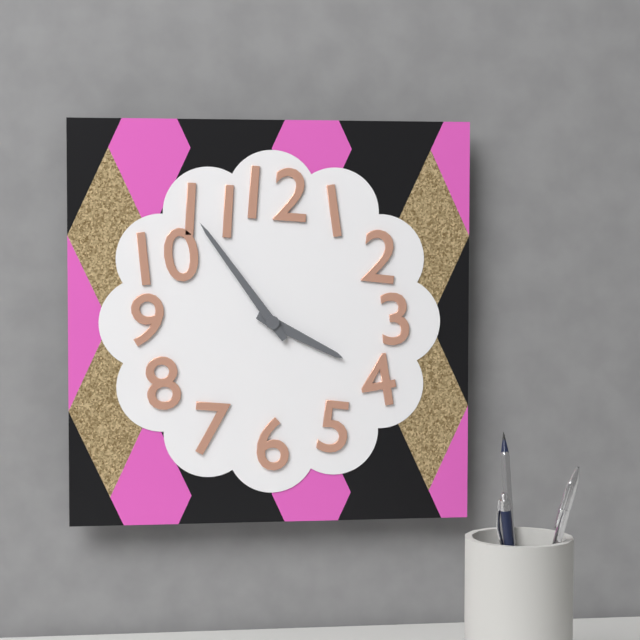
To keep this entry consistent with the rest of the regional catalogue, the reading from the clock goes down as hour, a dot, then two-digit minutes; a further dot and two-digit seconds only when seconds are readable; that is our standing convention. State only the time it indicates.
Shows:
3.54
